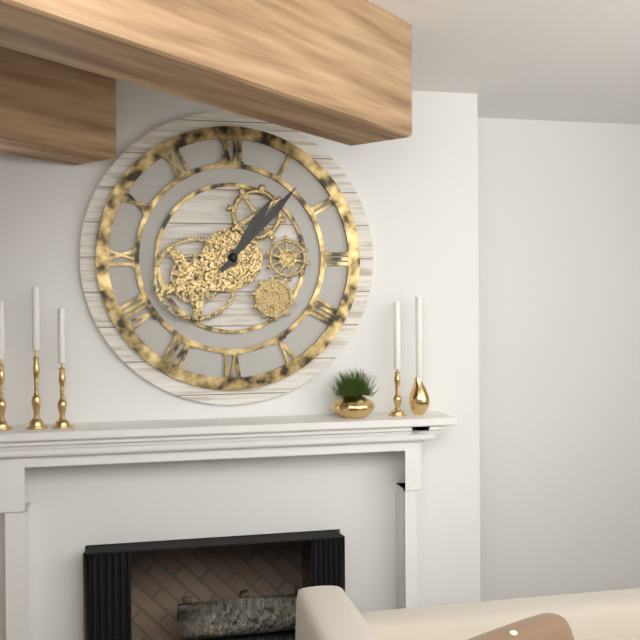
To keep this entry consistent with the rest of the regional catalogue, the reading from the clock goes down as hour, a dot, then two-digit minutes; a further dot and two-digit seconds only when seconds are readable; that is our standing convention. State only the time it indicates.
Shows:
1.07
